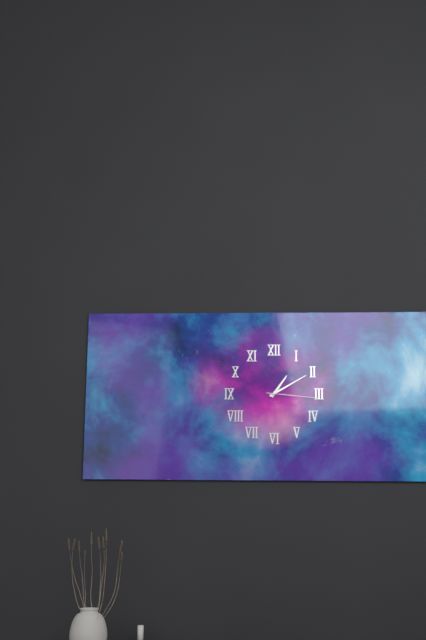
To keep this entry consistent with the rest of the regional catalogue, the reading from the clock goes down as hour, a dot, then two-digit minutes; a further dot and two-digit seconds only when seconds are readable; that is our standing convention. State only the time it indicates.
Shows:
1.10.16
